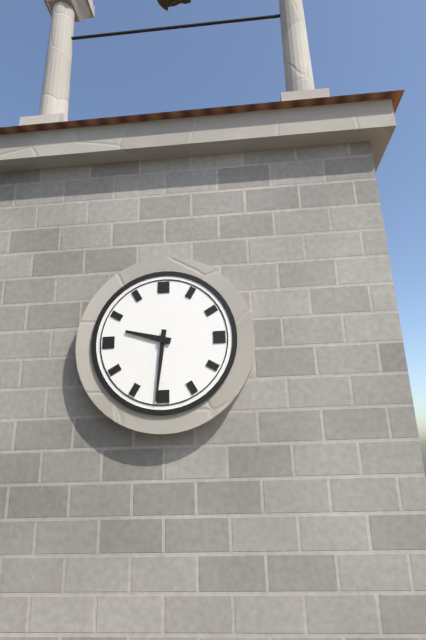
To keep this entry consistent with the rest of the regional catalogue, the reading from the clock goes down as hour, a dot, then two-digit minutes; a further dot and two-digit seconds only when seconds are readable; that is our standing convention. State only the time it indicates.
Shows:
9.31
